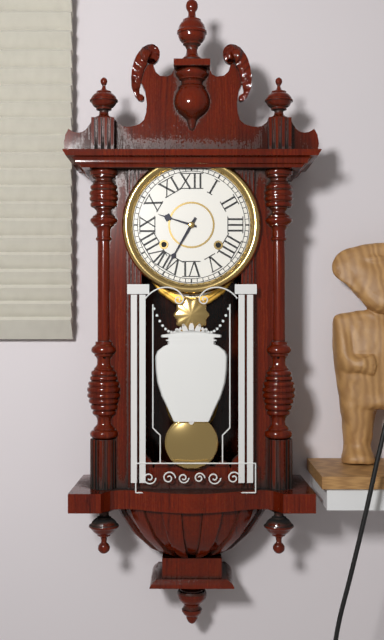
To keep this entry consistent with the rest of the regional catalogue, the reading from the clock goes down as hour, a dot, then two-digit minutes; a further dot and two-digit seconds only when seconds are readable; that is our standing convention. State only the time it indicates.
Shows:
9.35
